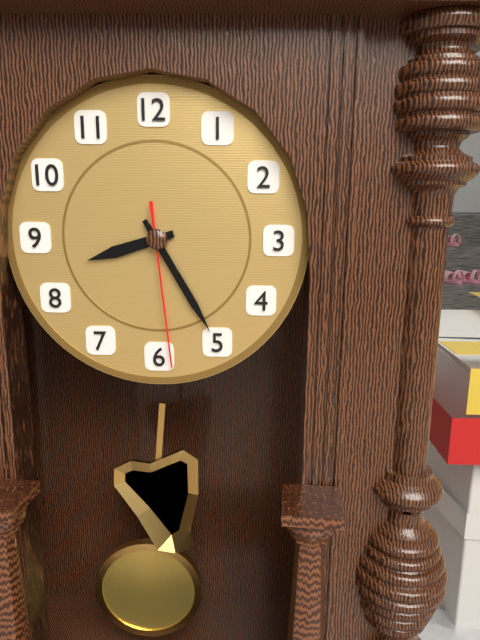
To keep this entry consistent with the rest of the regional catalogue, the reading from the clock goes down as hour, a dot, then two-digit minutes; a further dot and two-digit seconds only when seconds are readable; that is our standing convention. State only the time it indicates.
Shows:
8.25.29
